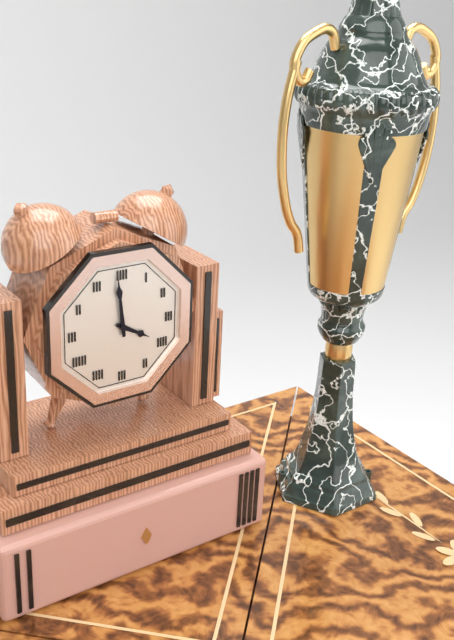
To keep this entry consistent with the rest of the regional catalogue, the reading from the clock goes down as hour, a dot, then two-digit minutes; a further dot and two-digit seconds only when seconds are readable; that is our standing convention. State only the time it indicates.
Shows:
3.59
